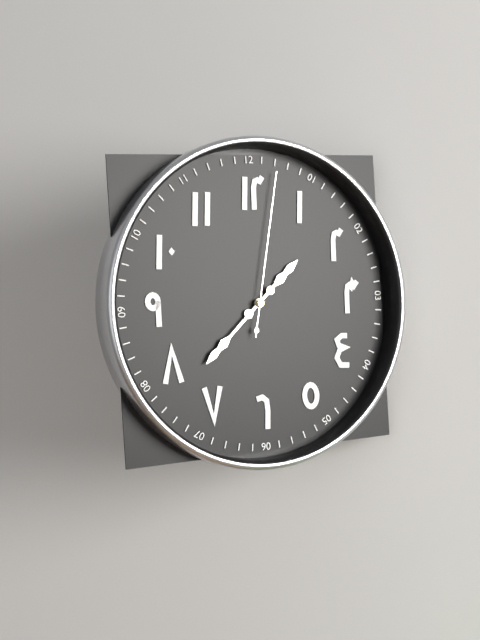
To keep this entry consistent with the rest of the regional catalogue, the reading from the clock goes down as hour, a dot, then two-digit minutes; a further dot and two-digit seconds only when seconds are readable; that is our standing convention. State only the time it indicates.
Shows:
1.38.02
